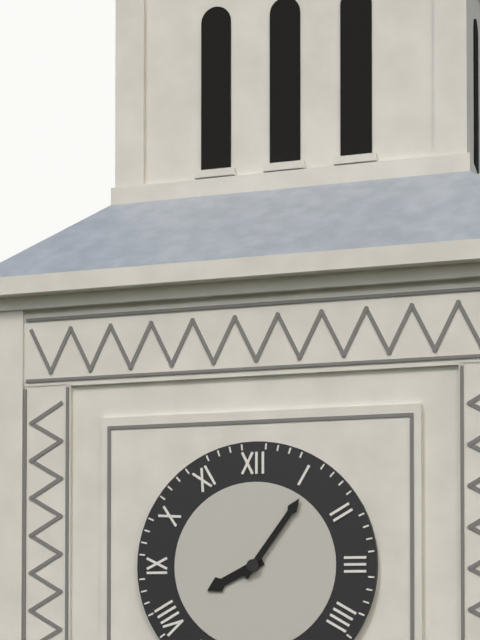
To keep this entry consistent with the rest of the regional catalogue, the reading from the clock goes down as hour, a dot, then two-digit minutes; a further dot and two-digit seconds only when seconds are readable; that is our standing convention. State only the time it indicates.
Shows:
8.06
